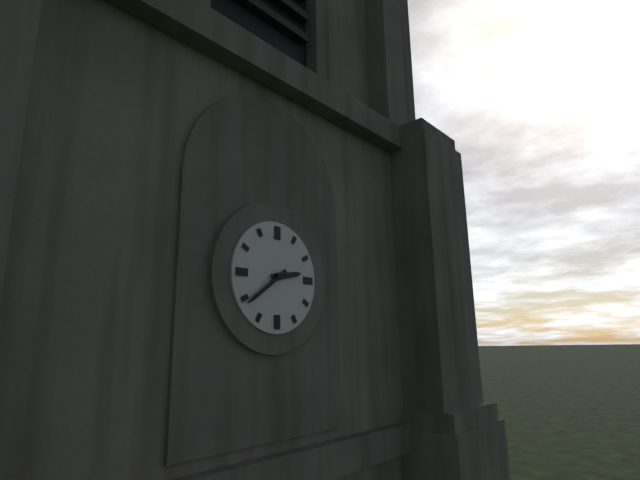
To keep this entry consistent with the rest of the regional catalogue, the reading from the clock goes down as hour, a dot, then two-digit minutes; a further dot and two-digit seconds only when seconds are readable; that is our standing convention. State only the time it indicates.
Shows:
2.39
